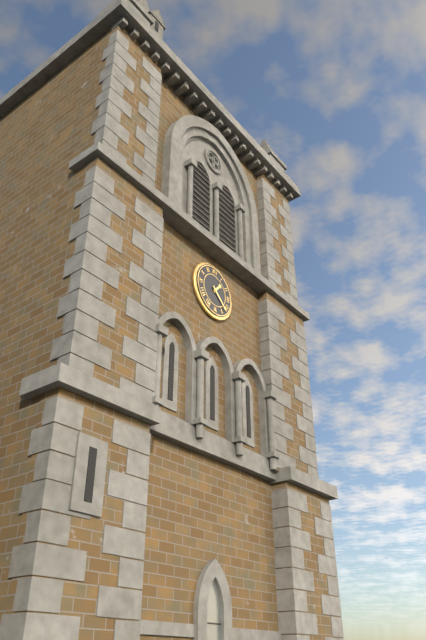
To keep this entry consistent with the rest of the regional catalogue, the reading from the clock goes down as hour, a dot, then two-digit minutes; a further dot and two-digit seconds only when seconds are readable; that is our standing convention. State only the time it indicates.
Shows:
1.22
